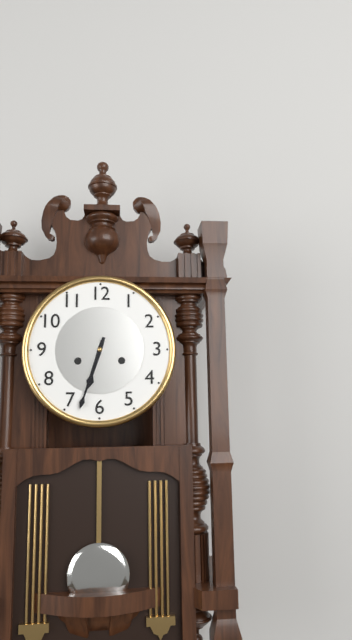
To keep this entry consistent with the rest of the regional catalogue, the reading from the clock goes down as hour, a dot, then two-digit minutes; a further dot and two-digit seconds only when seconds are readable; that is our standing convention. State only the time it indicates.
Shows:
6.33
